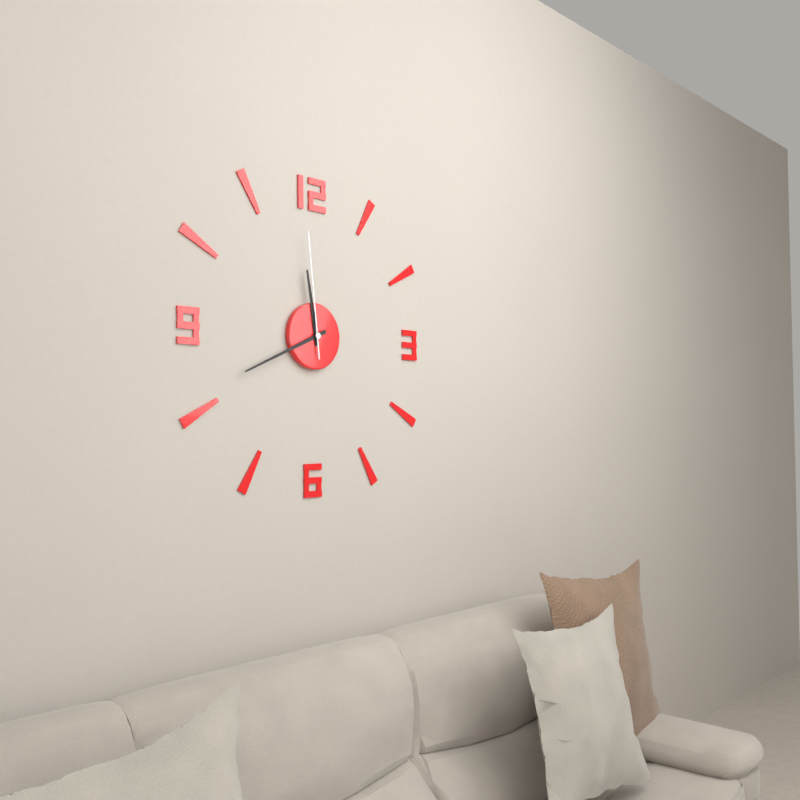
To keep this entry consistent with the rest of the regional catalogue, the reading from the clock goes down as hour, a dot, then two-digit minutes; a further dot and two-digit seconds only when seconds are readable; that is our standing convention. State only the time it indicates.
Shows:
11.41.59
